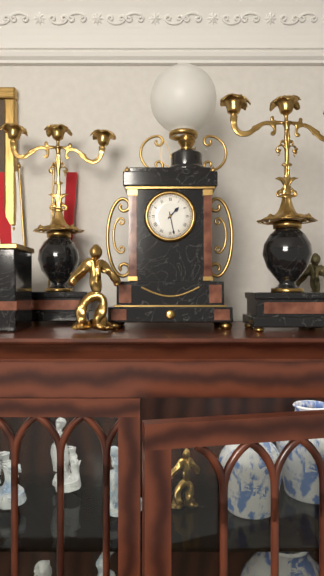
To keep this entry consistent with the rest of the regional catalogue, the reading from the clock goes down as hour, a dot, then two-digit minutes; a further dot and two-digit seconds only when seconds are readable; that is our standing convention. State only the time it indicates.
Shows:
1.28
